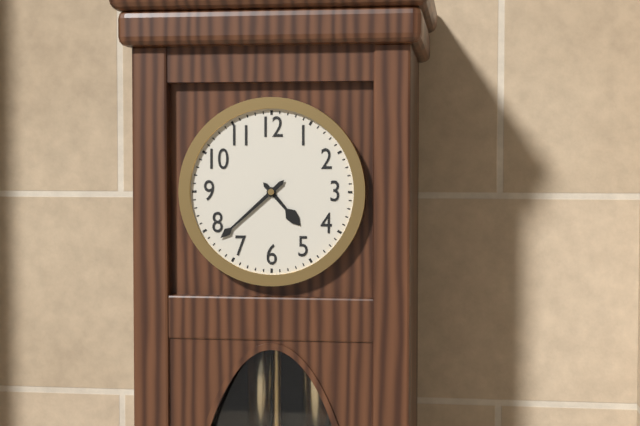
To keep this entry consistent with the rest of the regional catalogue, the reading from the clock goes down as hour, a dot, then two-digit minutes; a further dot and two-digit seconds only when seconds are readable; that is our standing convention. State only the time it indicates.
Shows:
4.38
